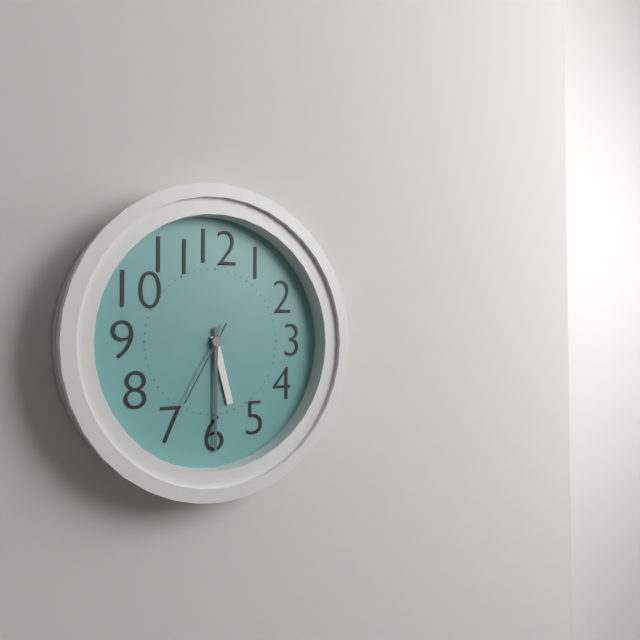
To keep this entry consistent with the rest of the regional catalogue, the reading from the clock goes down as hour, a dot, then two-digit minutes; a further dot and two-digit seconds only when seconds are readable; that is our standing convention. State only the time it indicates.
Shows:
5.30.35
